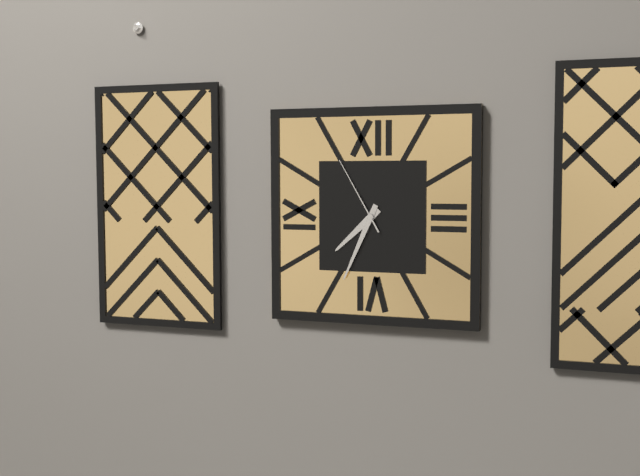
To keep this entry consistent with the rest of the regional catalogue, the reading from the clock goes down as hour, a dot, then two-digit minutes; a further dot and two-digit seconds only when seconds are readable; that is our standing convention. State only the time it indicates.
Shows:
7.34.55
